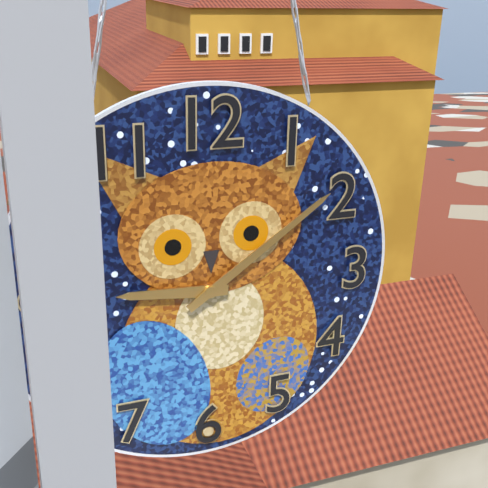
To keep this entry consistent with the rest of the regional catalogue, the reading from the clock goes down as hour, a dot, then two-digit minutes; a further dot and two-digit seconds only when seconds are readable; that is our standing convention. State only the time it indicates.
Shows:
9.09
